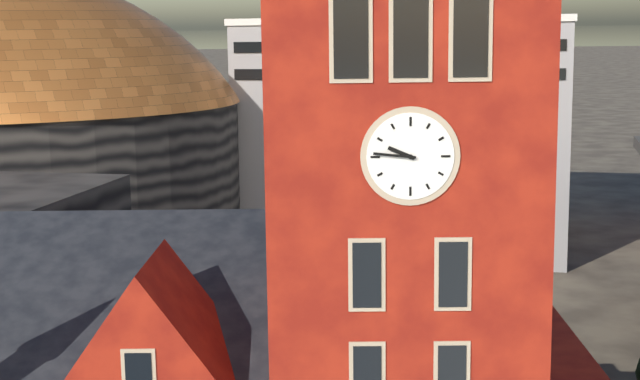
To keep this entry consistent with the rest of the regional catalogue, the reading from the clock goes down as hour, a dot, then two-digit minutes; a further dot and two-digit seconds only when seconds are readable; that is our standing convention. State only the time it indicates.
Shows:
9.46
